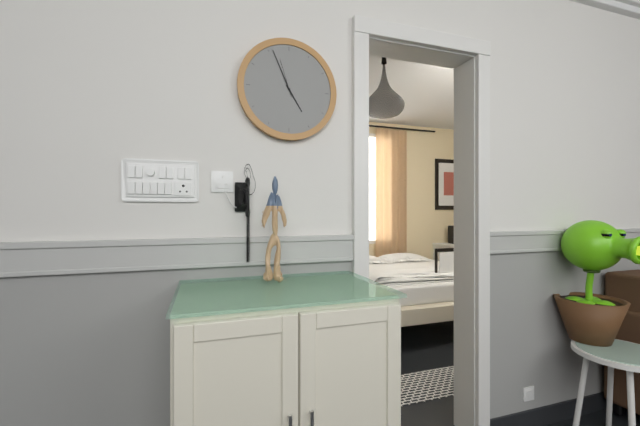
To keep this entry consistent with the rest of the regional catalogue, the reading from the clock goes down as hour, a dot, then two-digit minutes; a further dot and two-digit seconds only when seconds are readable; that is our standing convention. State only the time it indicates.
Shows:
4.56
